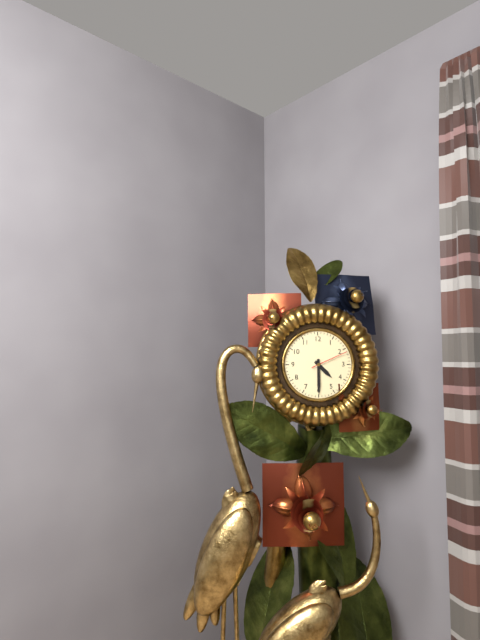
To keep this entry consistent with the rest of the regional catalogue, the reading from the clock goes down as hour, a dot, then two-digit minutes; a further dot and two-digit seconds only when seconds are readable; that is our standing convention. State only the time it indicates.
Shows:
4.30
